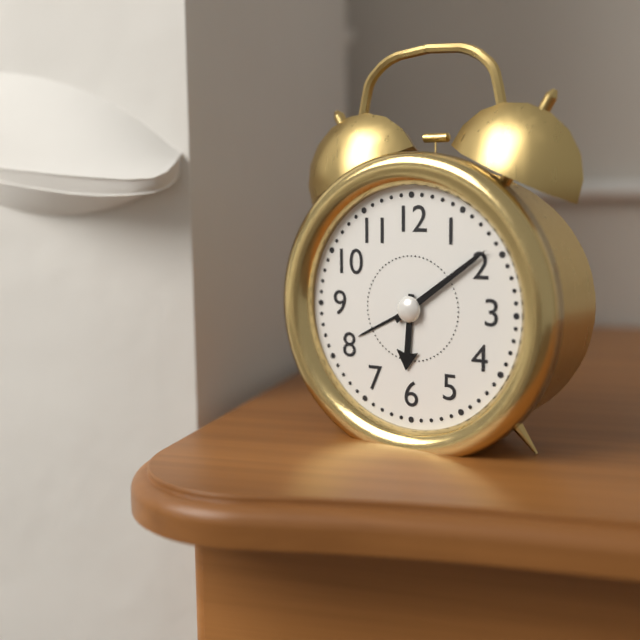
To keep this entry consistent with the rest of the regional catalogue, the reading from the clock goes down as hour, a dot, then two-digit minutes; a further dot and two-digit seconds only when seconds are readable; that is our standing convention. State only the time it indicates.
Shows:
6.09
